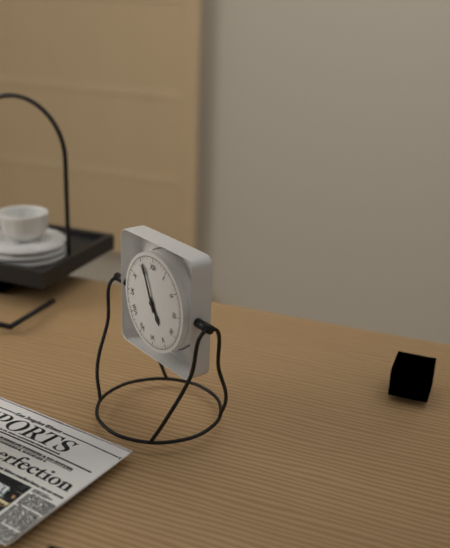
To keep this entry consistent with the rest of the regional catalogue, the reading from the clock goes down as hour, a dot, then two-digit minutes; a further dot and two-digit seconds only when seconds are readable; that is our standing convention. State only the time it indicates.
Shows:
4.56
